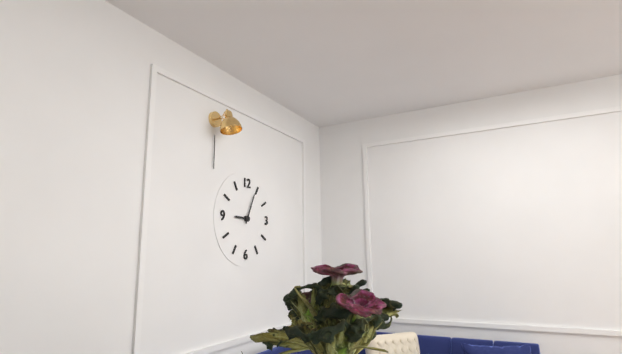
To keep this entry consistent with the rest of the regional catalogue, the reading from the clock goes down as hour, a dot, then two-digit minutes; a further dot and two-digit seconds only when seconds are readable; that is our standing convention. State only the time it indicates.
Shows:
9.04
